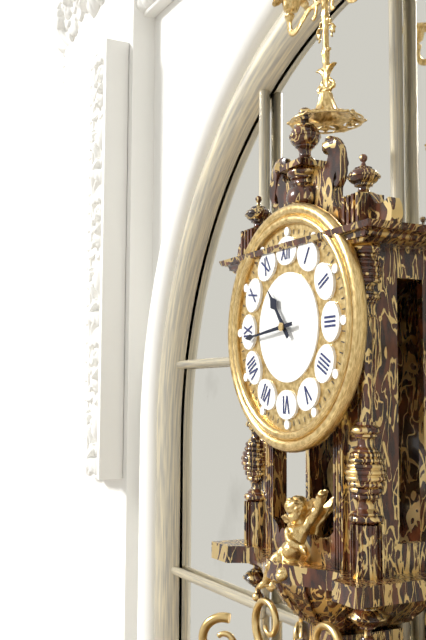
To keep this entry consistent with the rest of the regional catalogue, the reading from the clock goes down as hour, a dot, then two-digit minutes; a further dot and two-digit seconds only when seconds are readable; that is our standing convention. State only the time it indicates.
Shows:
10.44
